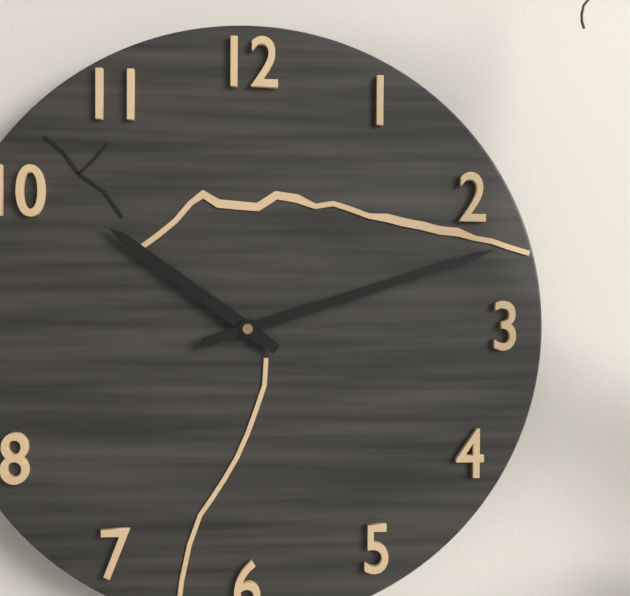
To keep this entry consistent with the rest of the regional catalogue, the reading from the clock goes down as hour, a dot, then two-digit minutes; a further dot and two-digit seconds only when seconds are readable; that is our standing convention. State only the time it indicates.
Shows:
10.12
